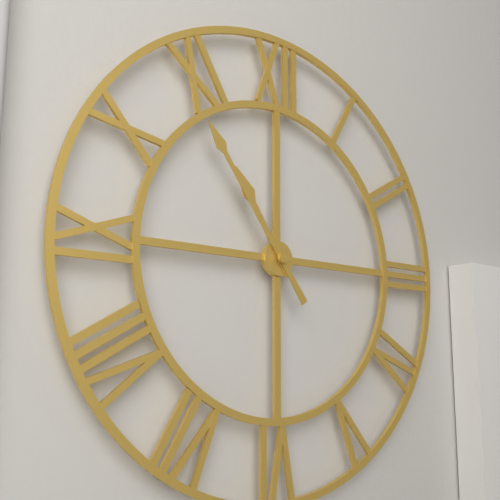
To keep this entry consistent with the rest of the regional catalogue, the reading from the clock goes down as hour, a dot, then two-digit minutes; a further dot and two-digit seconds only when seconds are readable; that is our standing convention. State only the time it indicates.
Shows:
10.54
